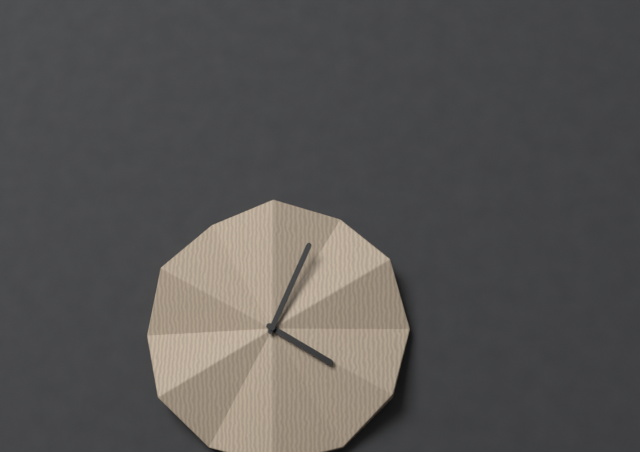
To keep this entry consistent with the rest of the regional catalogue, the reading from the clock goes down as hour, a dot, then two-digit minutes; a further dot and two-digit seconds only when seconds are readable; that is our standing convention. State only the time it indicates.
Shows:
4.04
